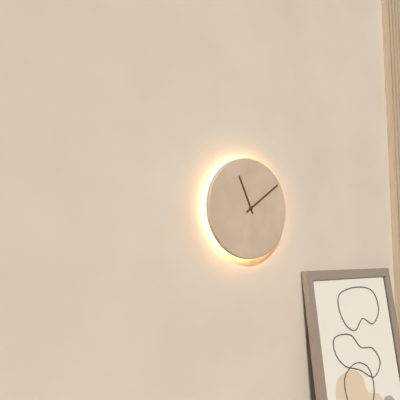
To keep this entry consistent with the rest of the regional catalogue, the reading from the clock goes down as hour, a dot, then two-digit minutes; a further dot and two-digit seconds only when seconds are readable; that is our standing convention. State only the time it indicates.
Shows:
11.09
